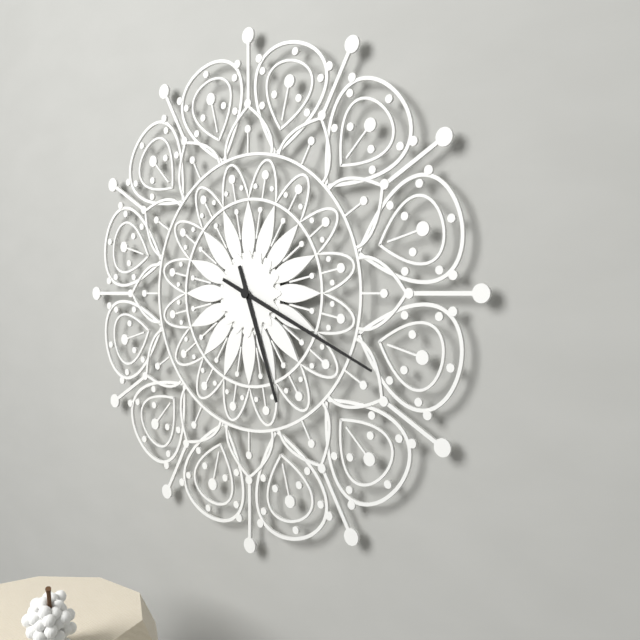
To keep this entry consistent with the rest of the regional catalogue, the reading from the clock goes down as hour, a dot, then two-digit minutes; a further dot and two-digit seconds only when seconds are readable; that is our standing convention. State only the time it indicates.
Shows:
5.19
